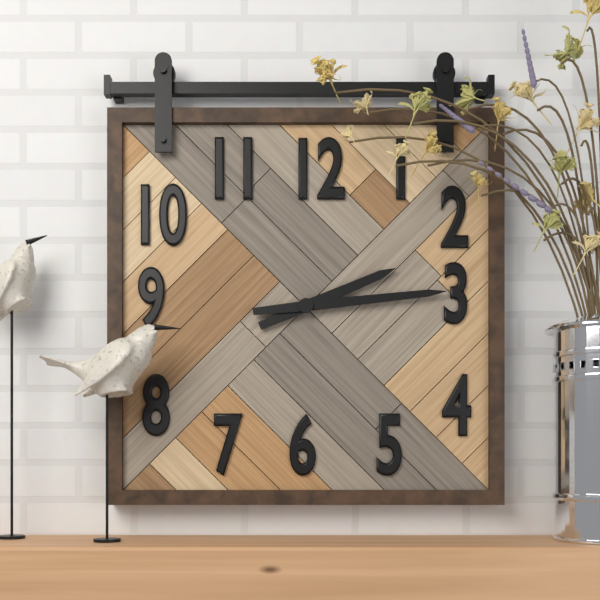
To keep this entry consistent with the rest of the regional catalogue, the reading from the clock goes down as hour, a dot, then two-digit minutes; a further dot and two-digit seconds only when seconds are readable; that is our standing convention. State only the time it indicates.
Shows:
2.14
